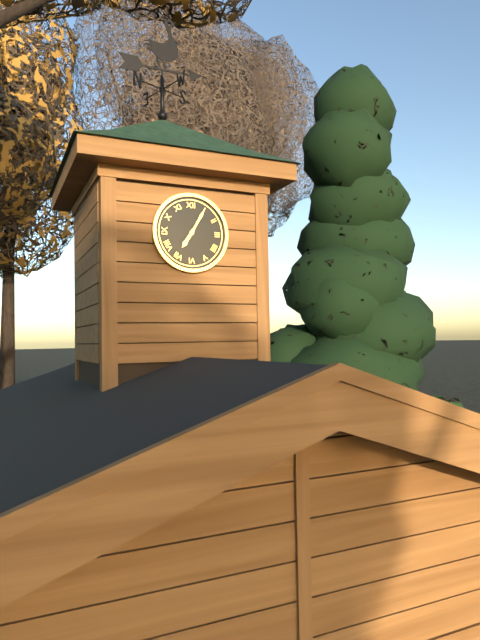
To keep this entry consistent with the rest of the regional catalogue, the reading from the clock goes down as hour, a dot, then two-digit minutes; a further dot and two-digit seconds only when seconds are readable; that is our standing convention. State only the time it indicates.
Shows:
7.05
